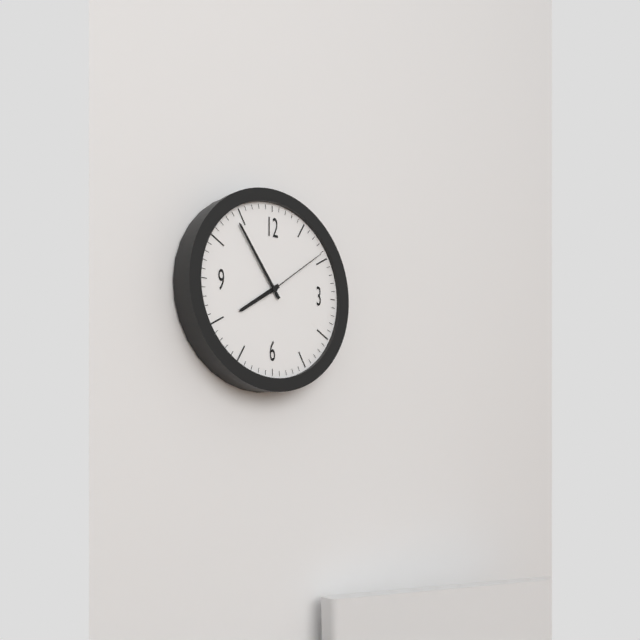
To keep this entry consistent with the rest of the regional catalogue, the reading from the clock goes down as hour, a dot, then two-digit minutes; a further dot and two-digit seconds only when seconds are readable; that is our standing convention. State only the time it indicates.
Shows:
7.54.09
